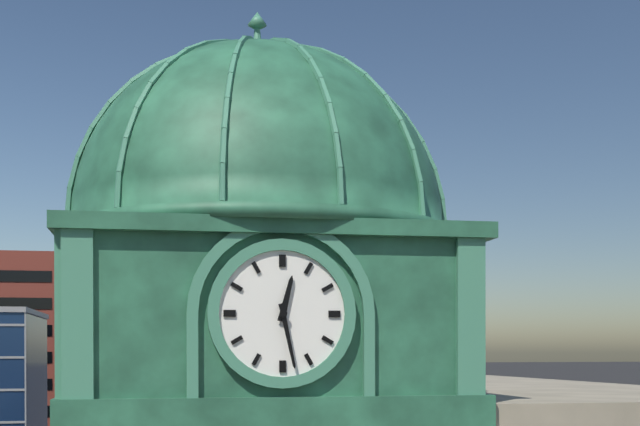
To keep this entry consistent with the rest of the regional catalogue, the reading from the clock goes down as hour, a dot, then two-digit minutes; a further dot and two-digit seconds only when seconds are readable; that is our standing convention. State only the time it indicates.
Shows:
12.28
